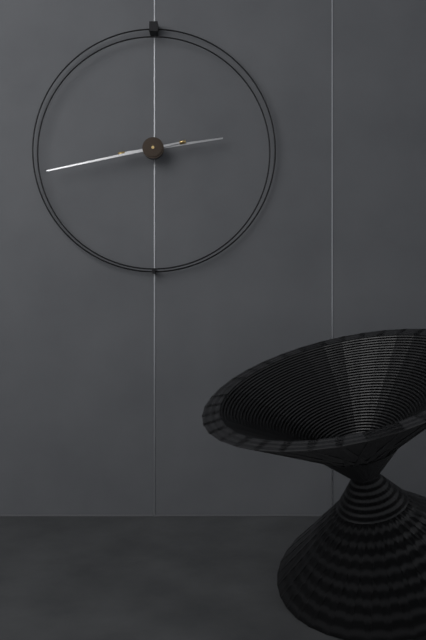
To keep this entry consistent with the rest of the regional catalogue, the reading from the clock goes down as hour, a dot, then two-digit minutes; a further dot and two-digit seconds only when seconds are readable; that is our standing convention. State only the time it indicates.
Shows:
2.43
